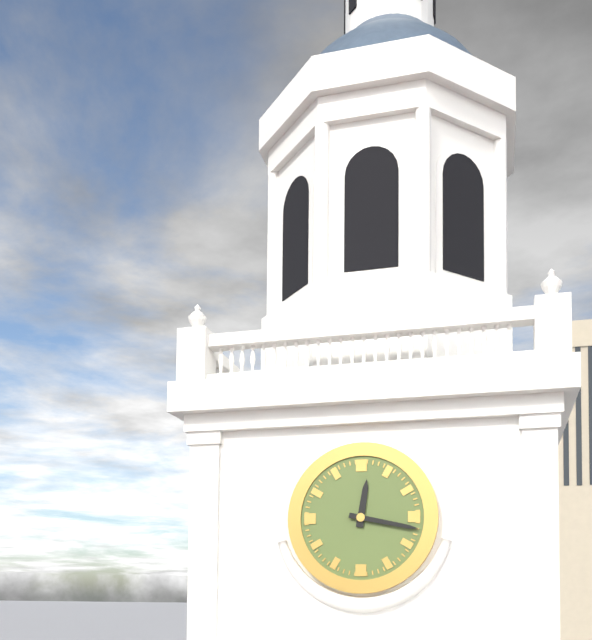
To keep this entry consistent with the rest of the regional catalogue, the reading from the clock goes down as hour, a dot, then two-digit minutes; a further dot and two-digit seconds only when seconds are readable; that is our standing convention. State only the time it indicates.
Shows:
12.17
